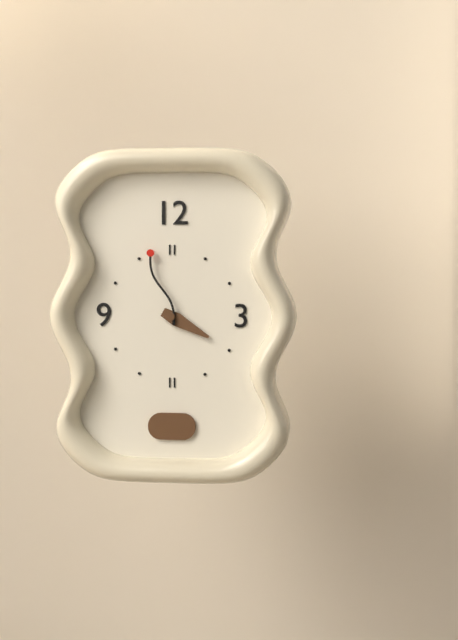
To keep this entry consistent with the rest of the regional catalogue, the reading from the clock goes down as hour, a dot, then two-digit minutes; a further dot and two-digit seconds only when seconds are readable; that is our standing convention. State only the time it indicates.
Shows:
3.57
